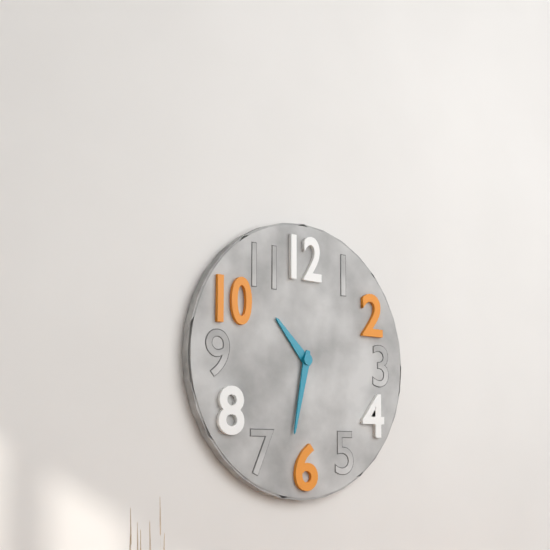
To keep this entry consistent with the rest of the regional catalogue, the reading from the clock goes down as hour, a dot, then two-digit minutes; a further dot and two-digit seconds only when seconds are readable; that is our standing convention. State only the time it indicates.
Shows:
10.32
